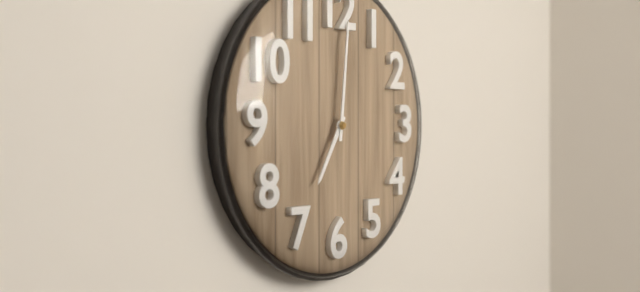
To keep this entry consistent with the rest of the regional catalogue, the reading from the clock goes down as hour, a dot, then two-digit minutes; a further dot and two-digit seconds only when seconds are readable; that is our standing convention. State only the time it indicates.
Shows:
7.01
